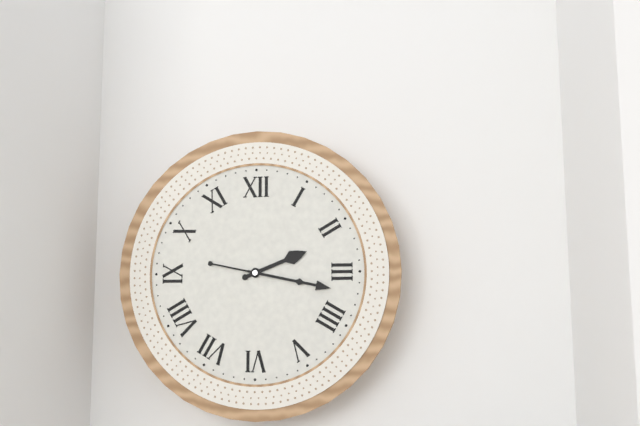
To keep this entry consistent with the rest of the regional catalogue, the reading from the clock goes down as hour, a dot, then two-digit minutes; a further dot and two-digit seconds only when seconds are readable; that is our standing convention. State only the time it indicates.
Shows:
2.17
